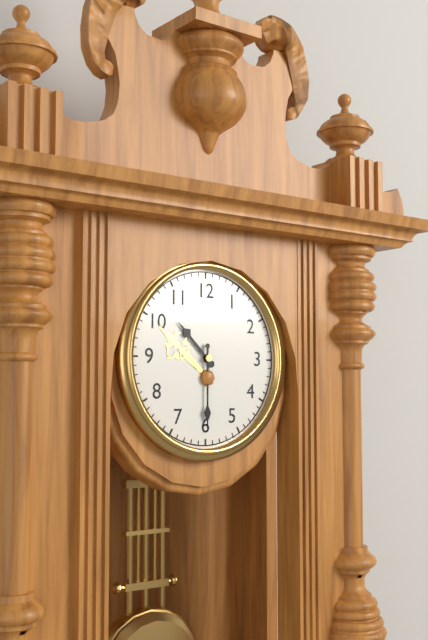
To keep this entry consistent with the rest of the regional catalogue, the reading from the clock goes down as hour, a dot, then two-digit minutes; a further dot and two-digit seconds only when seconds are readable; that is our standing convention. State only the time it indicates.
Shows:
10.30
